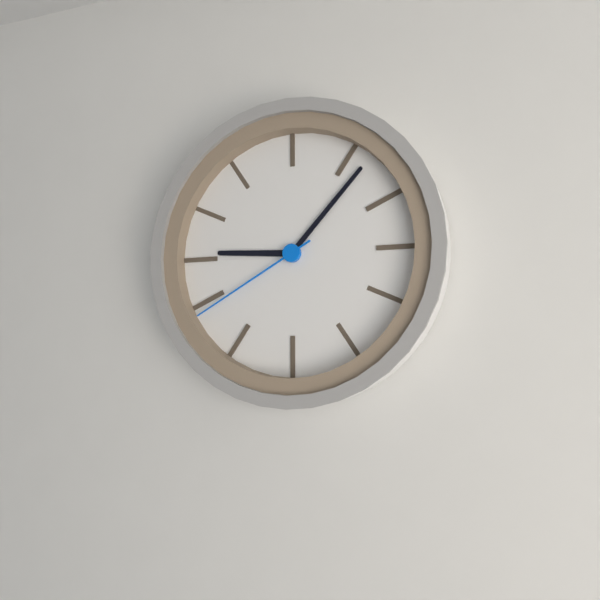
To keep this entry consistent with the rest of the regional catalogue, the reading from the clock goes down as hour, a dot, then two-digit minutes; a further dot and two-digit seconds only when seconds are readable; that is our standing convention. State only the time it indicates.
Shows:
9.07.40
